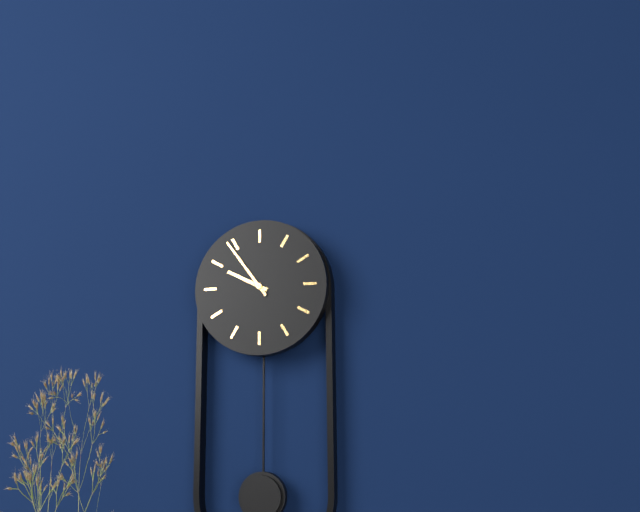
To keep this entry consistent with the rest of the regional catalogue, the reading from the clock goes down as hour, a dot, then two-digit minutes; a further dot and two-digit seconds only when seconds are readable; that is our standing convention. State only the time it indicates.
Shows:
9.54
